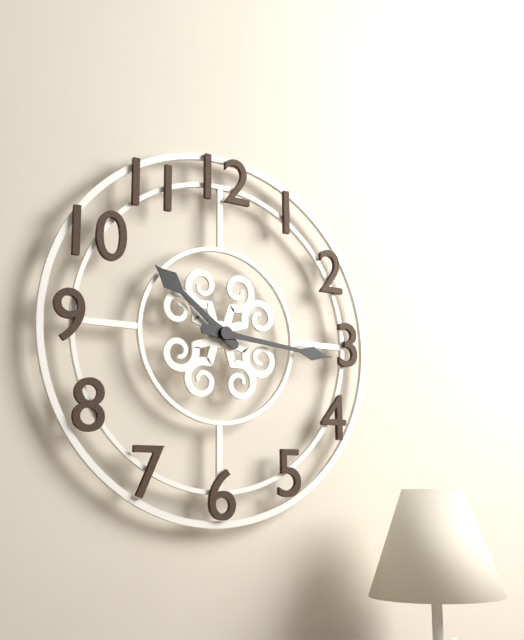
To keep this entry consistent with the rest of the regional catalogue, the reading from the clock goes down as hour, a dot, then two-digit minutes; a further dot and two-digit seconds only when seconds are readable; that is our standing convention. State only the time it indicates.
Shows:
10.16
